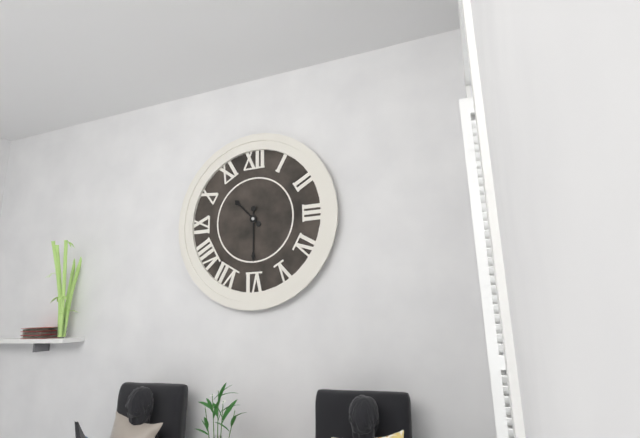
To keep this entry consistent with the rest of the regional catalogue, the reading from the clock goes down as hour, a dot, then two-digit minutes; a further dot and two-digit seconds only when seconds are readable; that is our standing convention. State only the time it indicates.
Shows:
10.30
